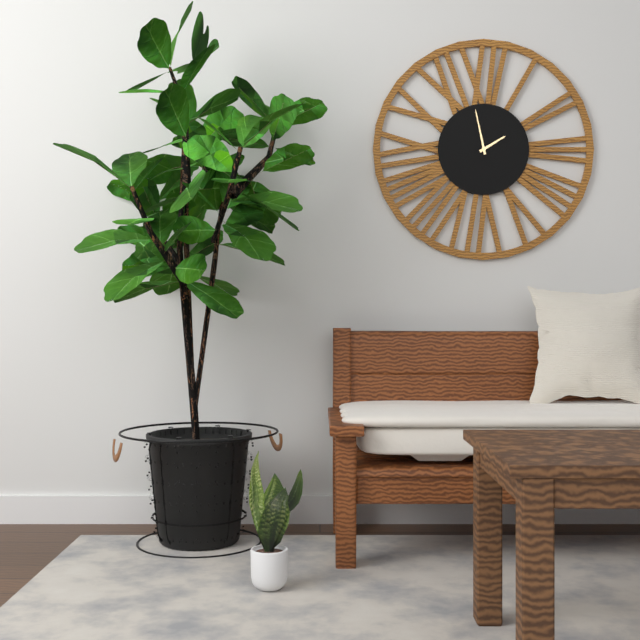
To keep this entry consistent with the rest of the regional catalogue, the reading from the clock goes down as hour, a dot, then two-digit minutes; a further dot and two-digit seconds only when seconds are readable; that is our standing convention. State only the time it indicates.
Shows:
1.58
